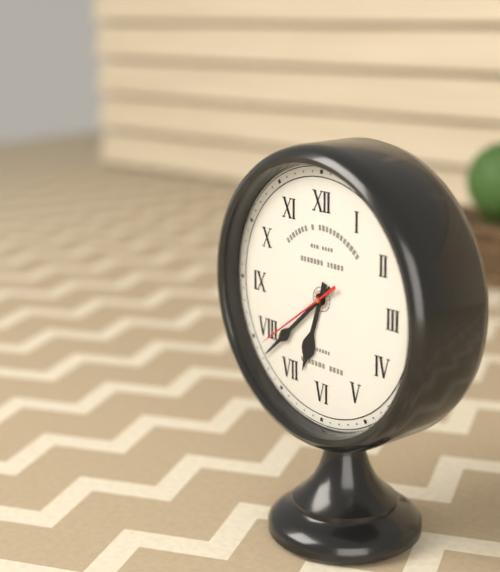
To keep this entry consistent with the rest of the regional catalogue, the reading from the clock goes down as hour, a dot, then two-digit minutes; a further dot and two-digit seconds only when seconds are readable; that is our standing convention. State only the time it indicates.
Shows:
6.38.39
